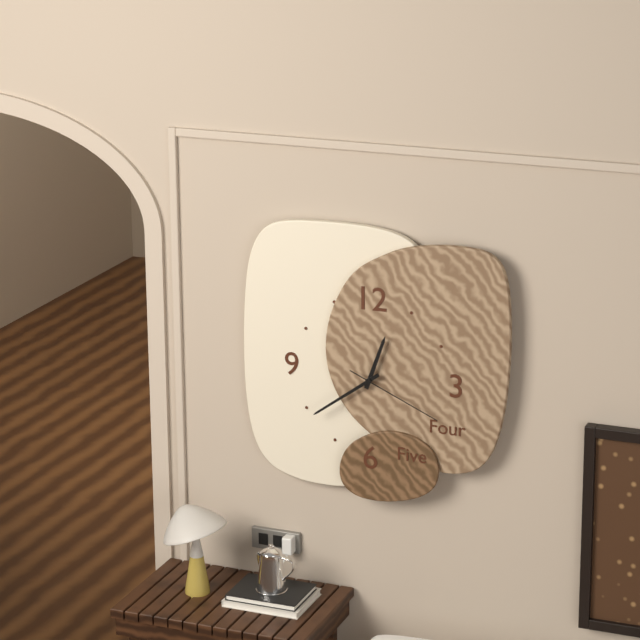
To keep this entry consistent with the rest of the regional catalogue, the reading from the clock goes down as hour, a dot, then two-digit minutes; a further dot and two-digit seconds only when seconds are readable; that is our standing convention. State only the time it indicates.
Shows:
12.39.19
